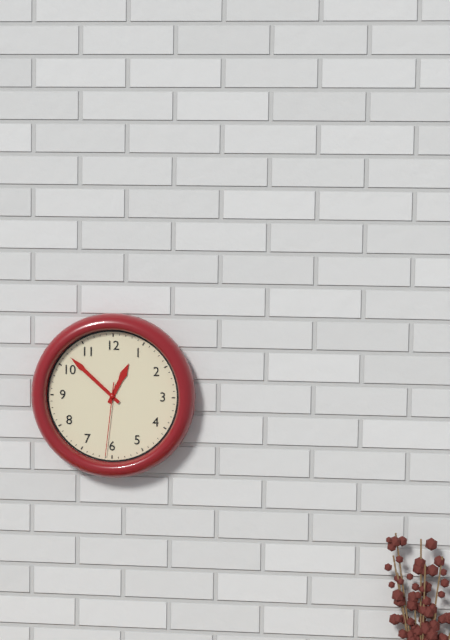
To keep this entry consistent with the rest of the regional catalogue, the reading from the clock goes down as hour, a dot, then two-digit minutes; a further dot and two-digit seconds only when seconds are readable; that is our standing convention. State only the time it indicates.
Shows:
12.52.31
